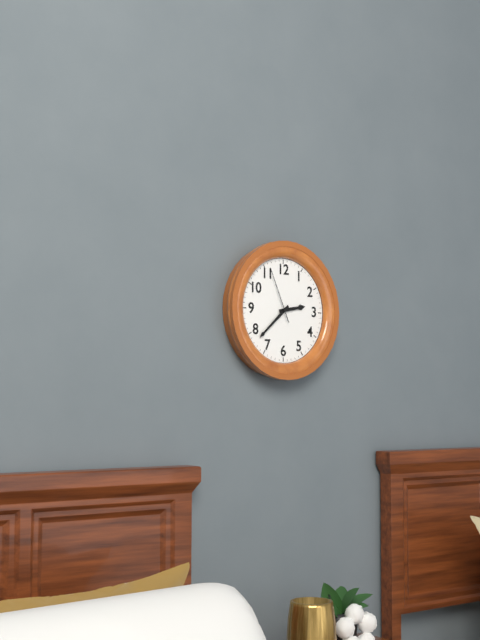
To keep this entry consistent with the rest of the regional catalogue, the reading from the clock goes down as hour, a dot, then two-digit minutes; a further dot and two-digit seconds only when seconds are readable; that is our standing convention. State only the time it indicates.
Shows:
2.38.56
